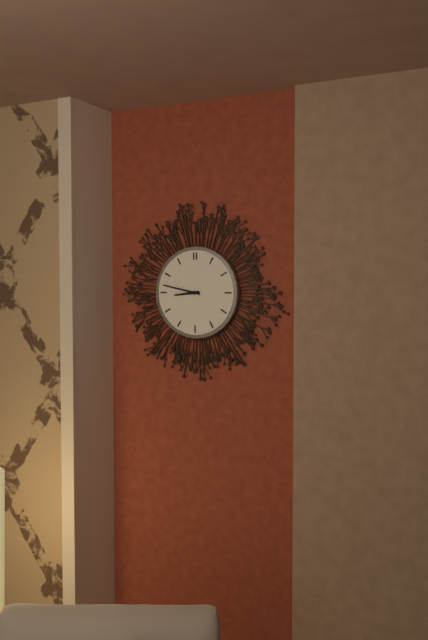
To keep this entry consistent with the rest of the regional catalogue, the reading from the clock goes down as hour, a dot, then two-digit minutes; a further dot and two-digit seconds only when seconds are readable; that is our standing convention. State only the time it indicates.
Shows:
8.47
